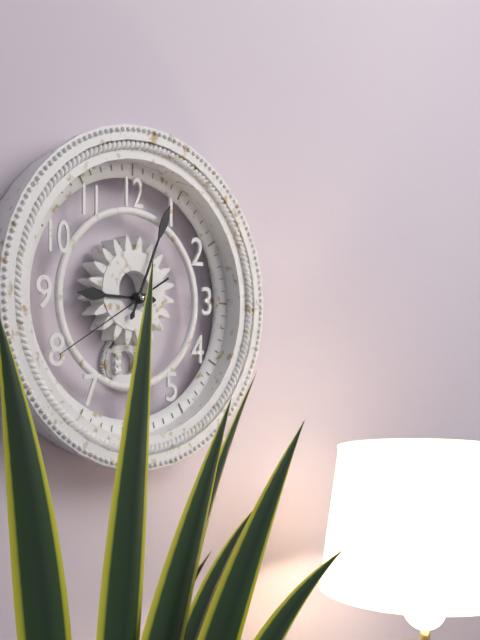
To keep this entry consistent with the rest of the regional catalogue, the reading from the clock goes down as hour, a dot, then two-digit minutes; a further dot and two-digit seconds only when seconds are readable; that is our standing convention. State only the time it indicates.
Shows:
9.04.40
